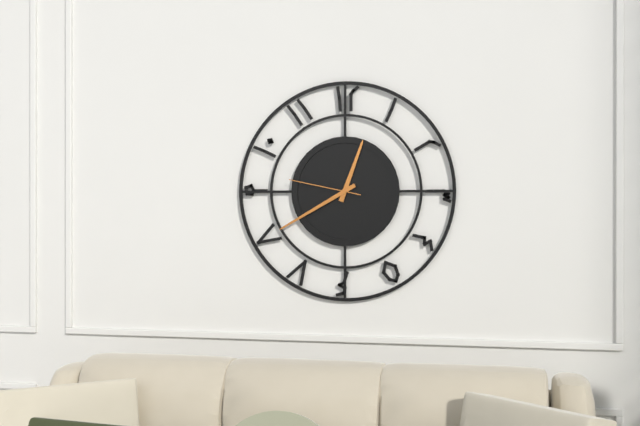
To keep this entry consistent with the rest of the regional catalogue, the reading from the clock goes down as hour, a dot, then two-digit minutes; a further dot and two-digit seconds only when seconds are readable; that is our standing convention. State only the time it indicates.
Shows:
12.40.47
